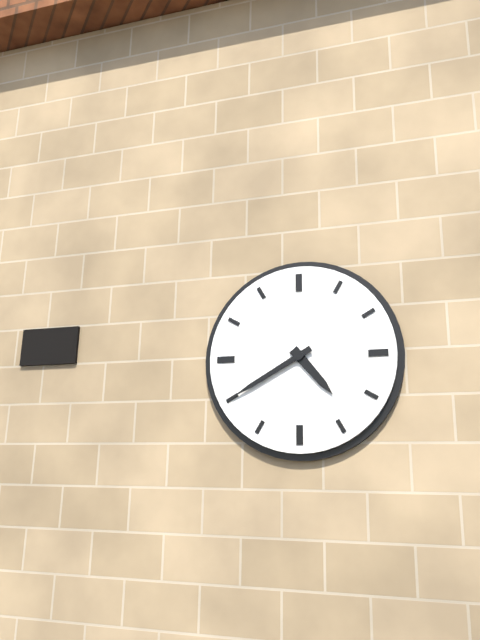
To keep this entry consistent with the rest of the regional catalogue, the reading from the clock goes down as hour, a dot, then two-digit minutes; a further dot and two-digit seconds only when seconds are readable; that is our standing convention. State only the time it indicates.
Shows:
4.40
